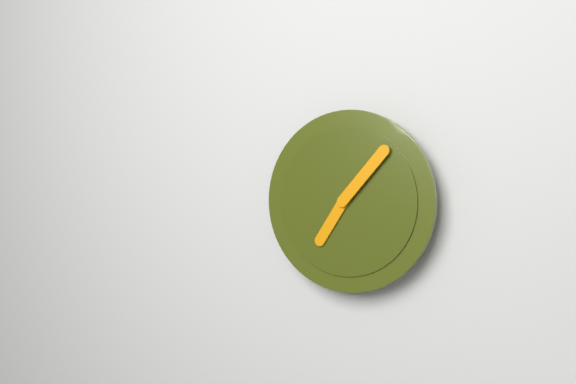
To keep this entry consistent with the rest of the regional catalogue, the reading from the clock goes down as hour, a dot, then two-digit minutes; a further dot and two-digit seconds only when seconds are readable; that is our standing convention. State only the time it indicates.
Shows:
7.07
